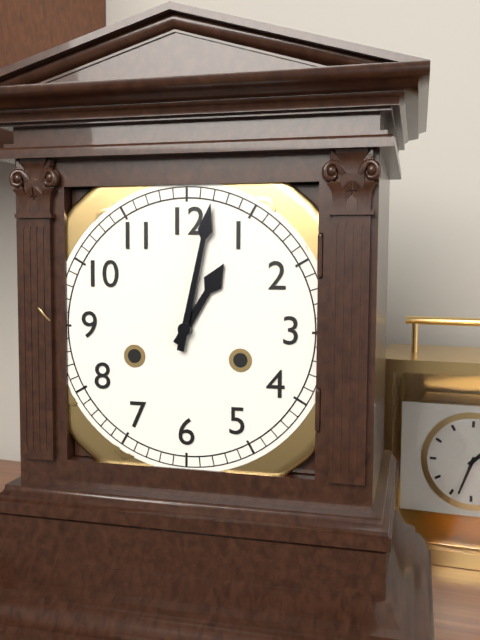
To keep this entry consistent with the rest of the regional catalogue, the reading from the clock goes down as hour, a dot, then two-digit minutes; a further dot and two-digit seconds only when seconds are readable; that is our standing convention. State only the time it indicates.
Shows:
1.02
